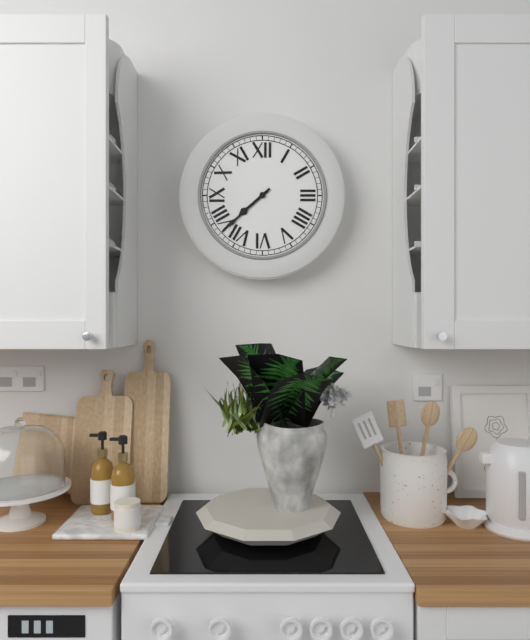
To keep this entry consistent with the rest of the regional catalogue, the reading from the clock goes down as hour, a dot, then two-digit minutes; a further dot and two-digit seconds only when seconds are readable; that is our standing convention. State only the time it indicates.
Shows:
7.38
